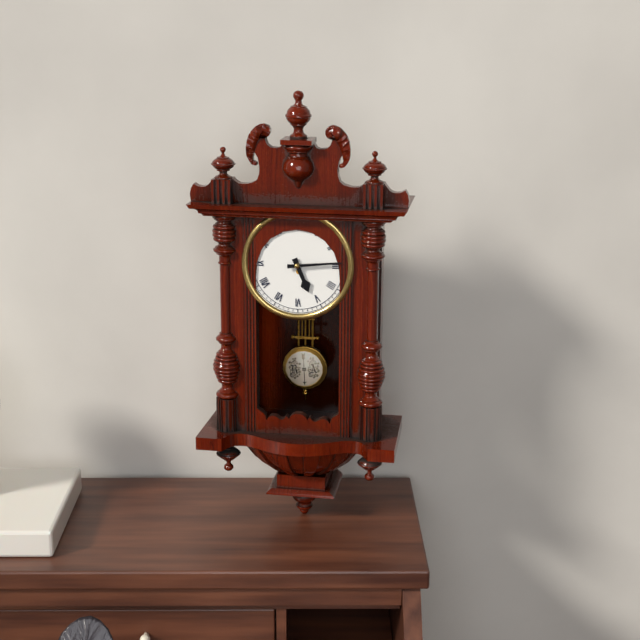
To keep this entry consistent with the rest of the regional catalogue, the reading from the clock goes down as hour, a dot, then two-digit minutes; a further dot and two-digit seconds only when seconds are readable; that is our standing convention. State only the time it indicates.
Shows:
5.14
